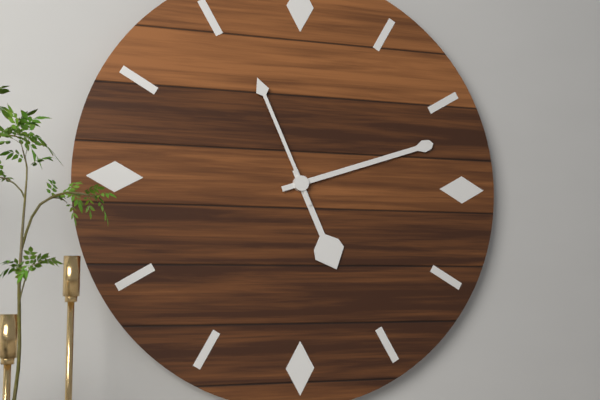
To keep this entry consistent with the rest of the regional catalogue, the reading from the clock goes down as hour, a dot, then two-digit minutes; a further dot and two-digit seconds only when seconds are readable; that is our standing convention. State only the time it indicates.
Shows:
5.12.56
